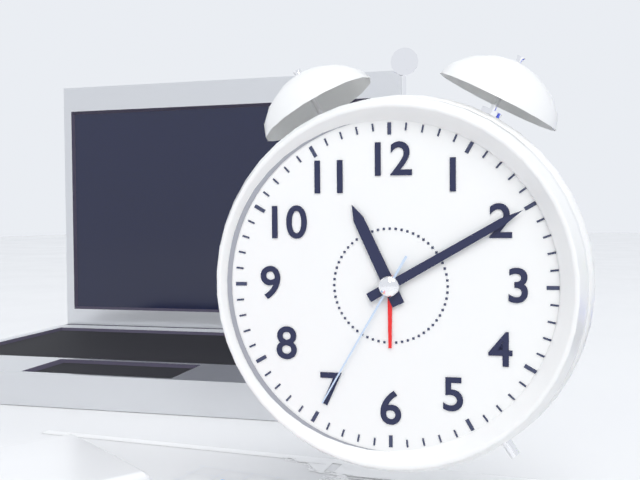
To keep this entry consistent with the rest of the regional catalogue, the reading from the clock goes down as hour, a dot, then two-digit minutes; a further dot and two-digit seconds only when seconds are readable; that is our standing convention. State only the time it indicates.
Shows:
11.10.35
